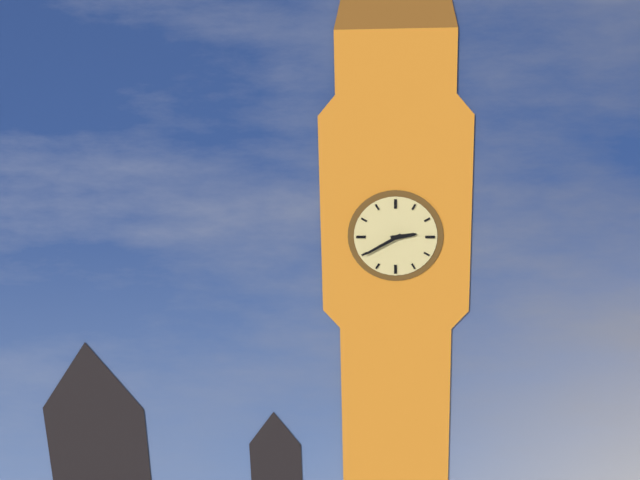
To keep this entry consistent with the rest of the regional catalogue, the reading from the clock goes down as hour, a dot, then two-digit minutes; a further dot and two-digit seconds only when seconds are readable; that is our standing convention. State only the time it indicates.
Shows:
2.40
